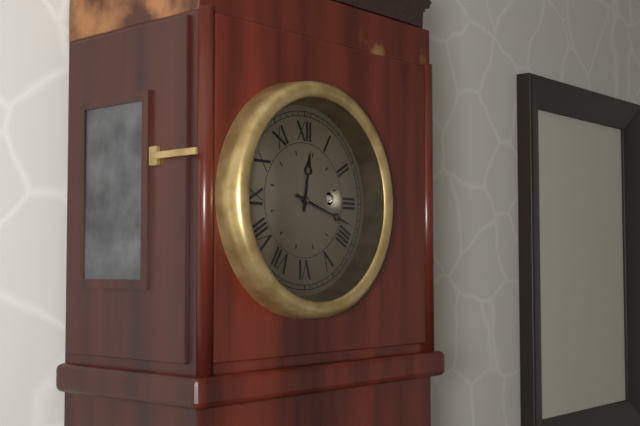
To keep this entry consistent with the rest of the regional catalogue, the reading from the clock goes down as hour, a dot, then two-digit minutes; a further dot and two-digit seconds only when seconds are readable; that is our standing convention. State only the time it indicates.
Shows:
12.18
